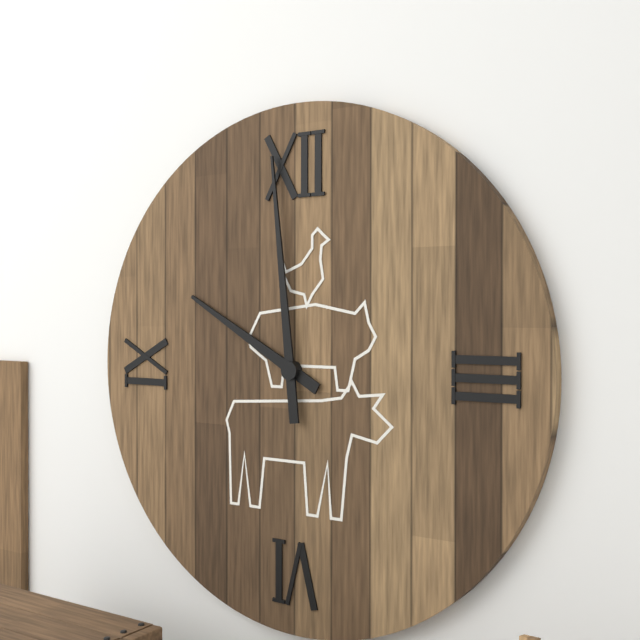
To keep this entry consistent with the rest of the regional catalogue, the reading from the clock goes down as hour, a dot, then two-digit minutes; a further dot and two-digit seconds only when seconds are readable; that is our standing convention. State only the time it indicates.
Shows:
9.59
